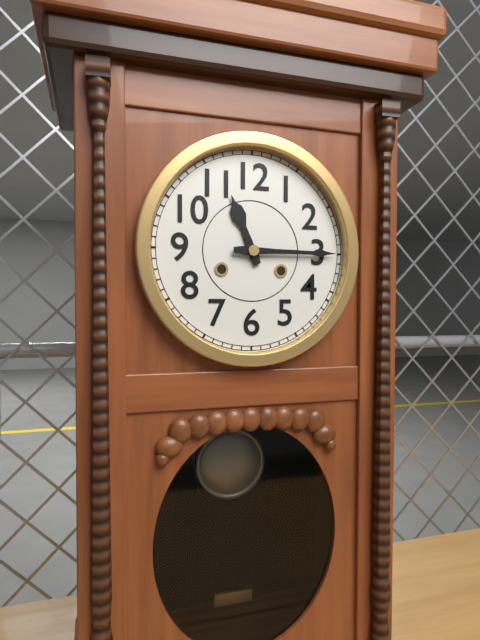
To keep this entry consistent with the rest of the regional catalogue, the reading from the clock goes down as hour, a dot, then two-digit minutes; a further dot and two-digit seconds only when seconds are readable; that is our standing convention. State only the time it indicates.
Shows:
11.15
